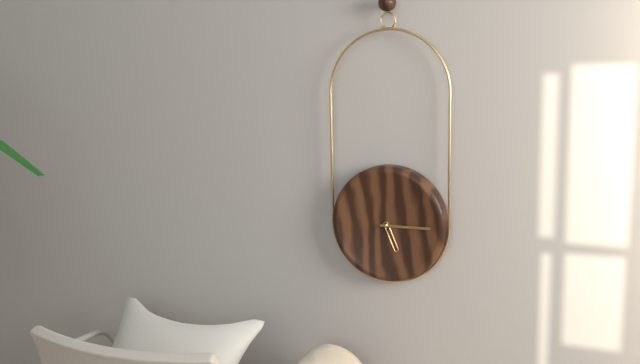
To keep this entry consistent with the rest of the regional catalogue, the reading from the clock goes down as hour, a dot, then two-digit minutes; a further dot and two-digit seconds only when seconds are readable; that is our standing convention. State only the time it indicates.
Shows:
5.15
